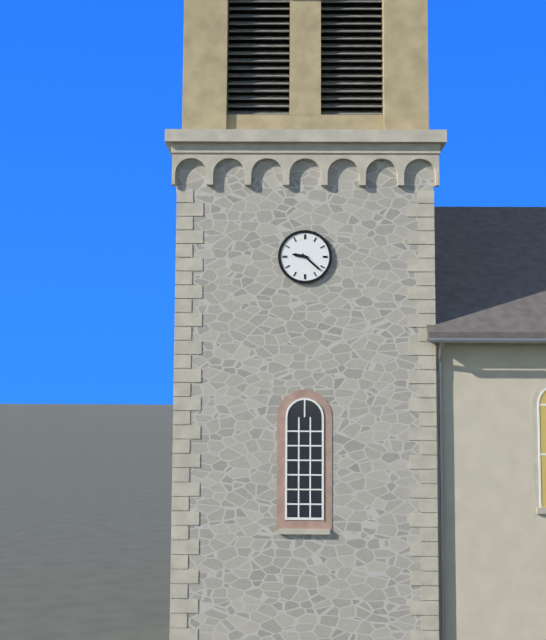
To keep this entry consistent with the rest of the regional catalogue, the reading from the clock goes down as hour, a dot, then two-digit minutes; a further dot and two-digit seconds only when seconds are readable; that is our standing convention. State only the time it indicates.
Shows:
9.22
